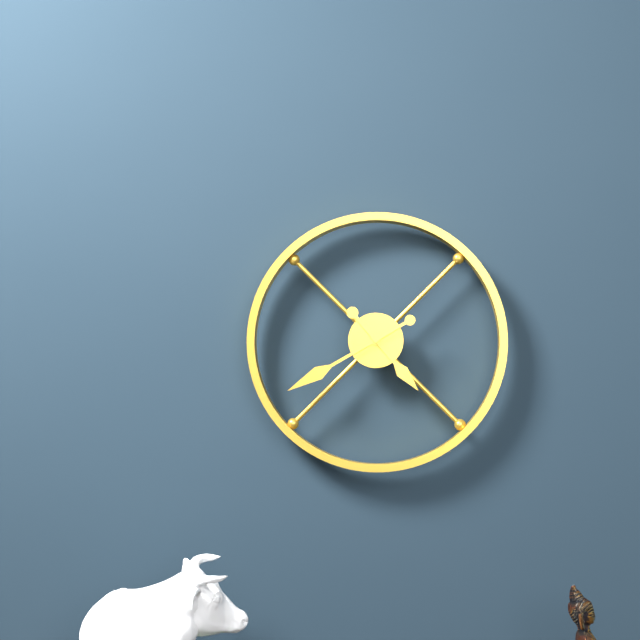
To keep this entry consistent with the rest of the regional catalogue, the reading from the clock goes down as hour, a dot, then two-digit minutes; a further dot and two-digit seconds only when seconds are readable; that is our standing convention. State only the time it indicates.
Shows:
4.40
